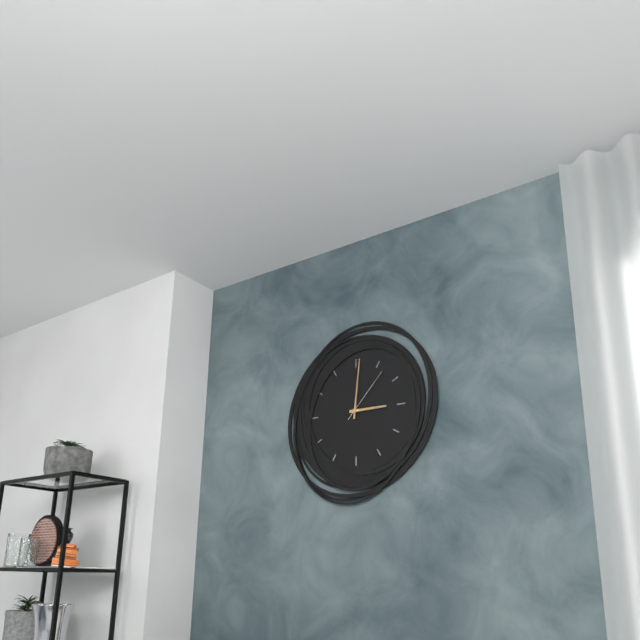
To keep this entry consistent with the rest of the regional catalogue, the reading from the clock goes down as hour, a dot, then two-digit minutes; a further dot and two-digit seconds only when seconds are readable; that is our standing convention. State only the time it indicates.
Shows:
3.01.07
